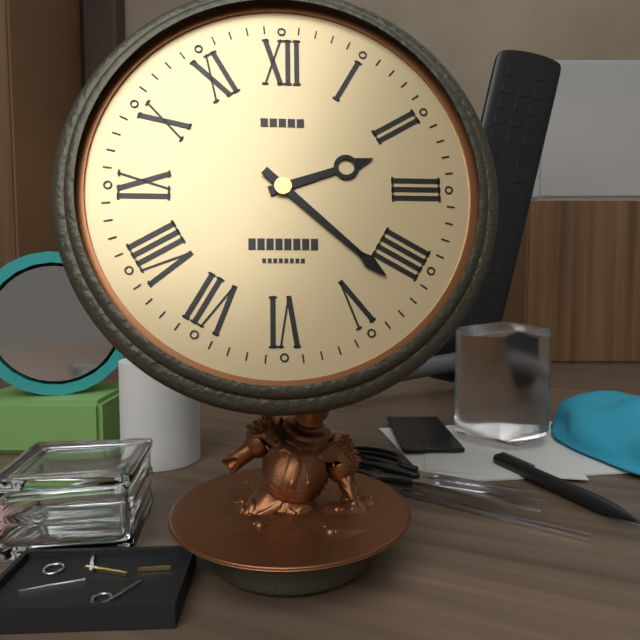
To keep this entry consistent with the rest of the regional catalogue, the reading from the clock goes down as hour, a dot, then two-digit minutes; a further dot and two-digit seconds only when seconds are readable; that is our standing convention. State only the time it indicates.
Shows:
2.22
